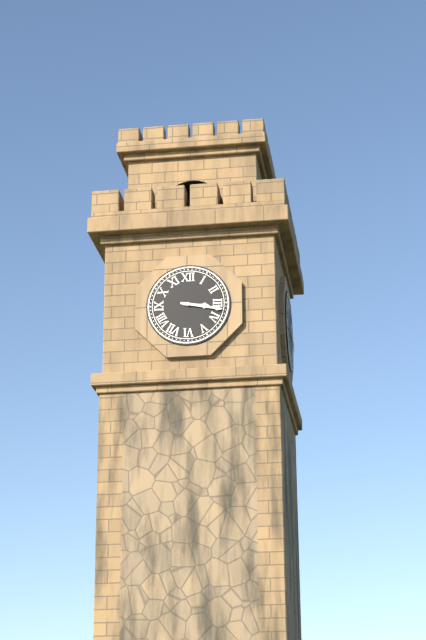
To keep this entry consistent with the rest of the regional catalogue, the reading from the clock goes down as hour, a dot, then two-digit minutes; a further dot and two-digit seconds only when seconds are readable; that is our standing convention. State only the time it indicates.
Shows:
3.17
